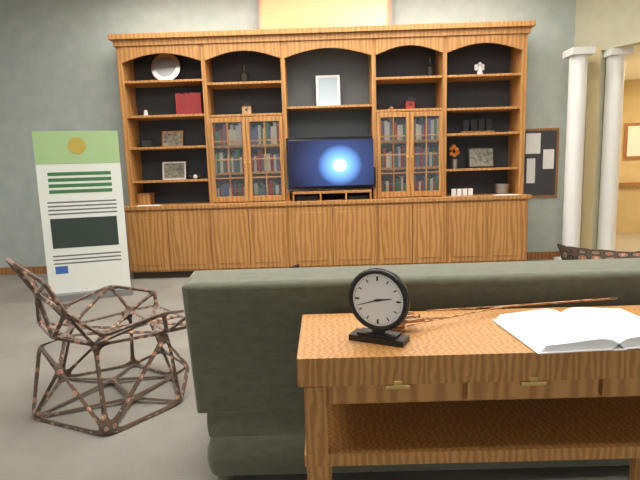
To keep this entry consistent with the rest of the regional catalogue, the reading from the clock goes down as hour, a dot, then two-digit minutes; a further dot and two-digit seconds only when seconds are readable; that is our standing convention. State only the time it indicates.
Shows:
2.42
